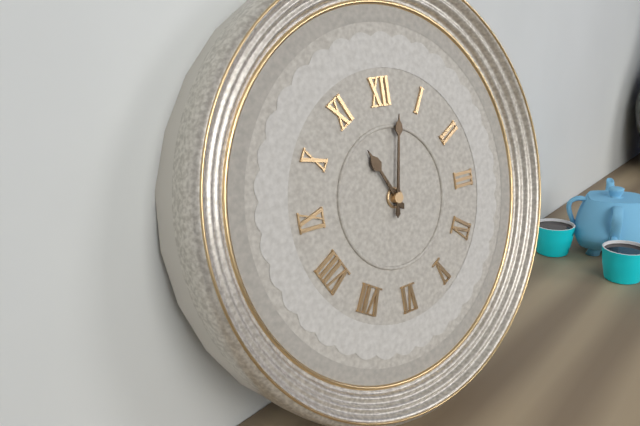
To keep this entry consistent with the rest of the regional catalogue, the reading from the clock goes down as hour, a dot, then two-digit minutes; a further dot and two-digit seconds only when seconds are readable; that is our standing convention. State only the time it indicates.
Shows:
11.02
